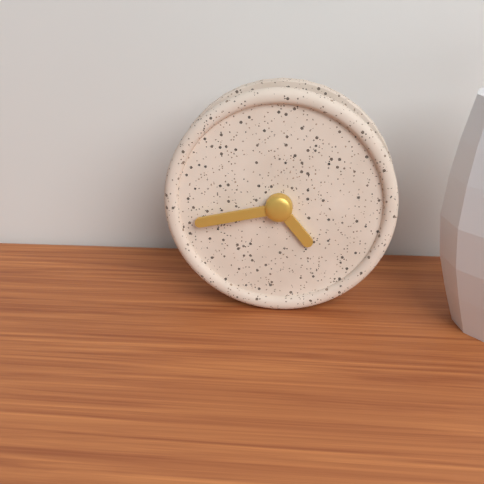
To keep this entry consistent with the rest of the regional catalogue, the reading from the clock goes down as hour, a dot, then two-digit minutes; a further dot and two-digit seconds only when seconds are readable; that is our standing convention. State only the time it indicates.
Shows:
4.43
